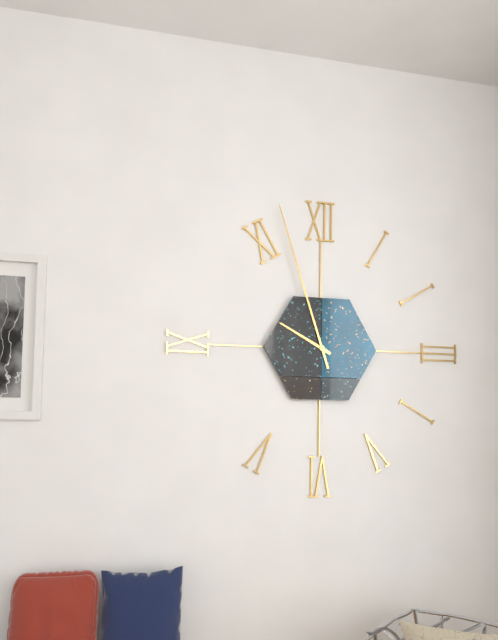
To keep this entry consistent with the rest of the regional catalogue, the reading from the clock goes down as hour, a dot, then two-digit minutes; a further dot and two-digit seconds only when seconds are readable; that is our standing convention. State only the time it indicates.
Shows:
9.57
